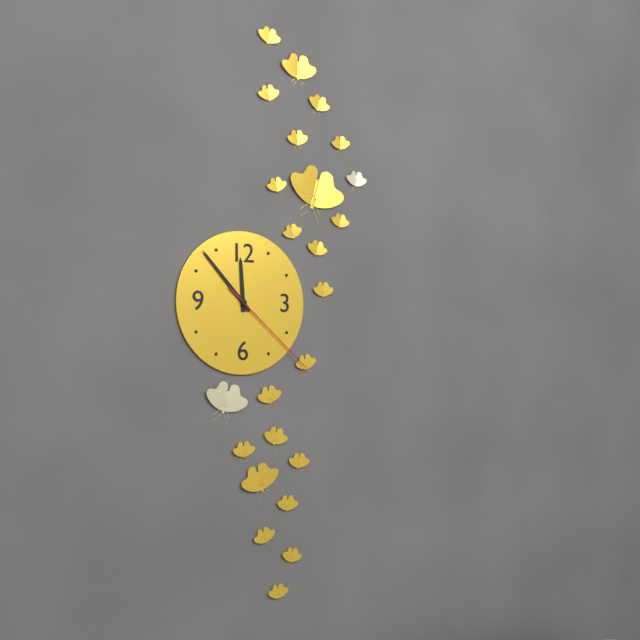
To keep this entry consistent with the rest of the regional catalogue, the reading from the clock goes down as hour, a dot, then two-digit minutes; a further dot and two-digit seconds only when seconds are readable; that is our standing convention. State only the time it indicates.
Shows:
11.53.22
